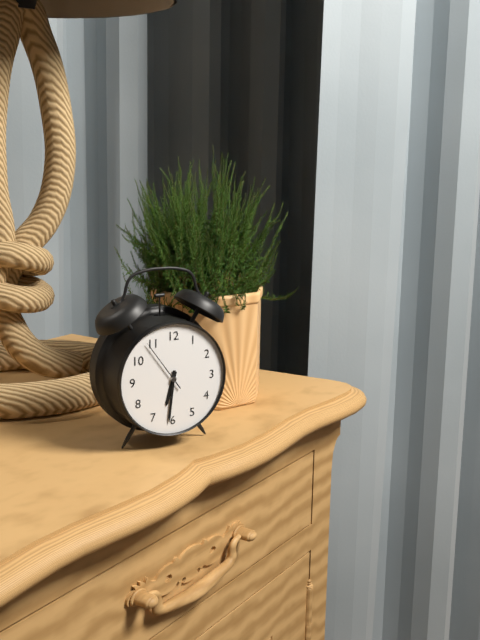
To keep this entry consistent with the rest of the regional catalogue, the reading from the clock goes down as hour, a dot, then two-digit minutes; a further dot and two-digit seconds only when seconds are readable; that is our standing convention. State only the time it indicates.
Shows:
6.31.54
